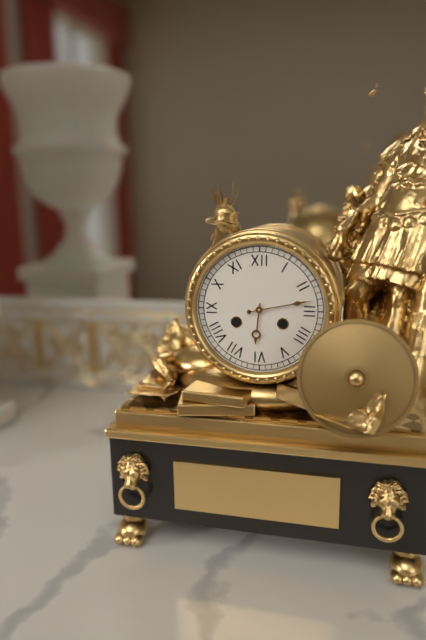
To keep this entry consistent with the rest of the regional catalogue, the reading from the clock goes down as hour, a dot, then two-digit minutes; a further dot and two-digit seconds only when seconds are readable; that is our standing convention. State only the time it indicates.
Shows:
6.13
